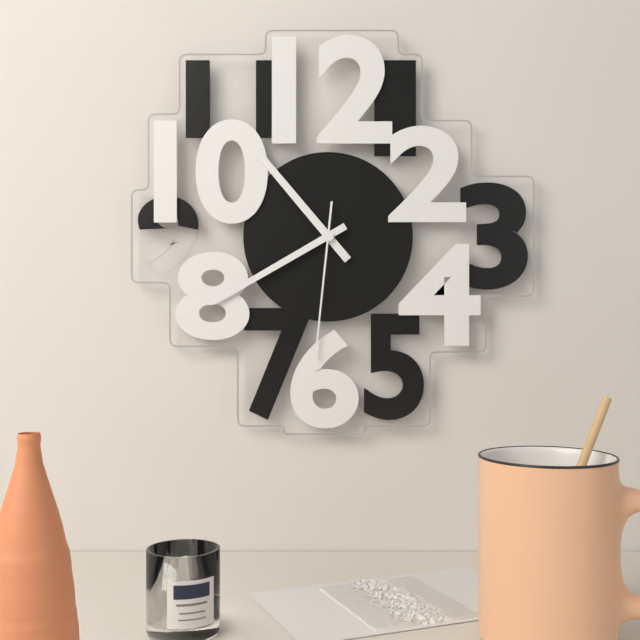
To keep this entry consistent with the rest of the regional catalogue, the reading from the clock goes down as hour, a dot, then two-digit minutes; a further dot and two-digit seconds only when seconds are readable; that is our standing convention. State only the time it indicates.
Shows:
10.40.31
